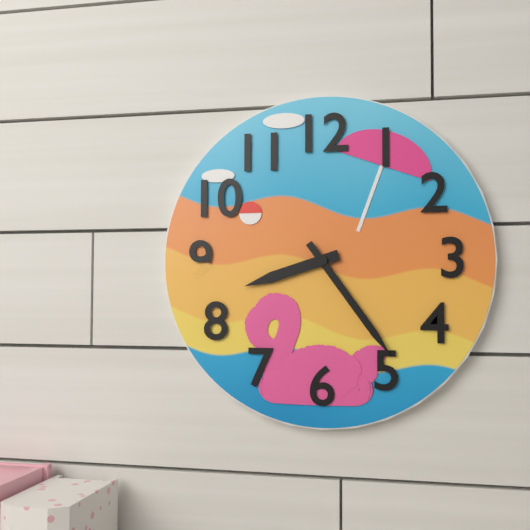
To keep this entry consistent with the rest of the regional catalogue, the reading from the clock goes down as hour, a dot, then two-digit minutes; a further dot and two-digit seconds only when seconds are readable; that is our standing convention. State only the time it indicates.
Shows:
8.24
